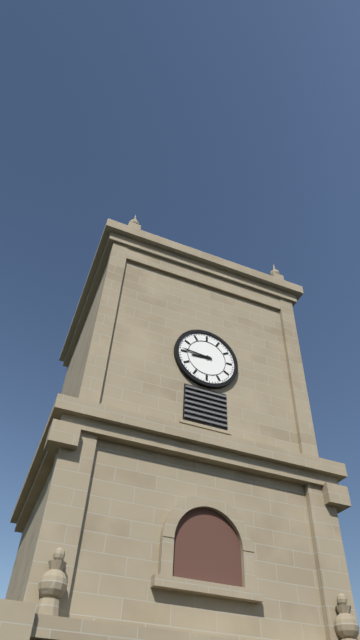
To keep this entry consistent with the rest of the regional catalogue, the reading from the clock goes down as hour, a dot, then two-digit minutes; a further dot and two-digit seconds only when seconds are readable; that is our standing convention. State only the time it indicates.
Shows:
8.46
